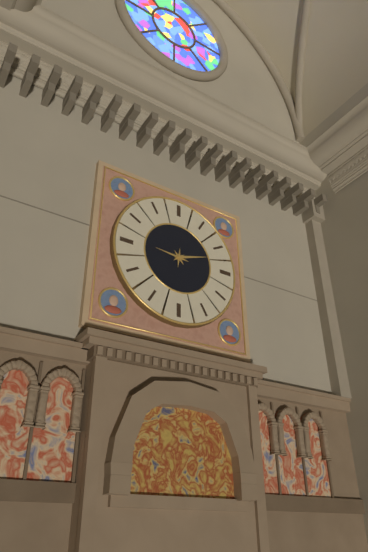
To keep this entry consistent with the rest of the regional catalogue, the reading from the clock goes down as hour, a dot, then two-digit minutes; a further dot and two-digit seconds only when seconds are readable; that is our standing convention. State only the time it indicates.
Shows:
9.12
